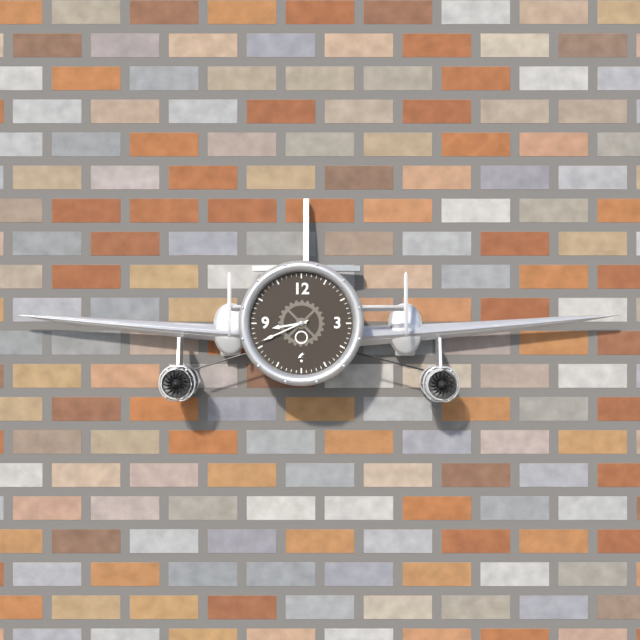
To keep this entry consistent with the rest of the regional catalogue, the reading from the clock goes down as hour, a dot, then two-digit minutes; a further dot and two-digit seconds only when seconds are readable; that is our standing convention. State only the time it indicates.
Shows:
8.41
